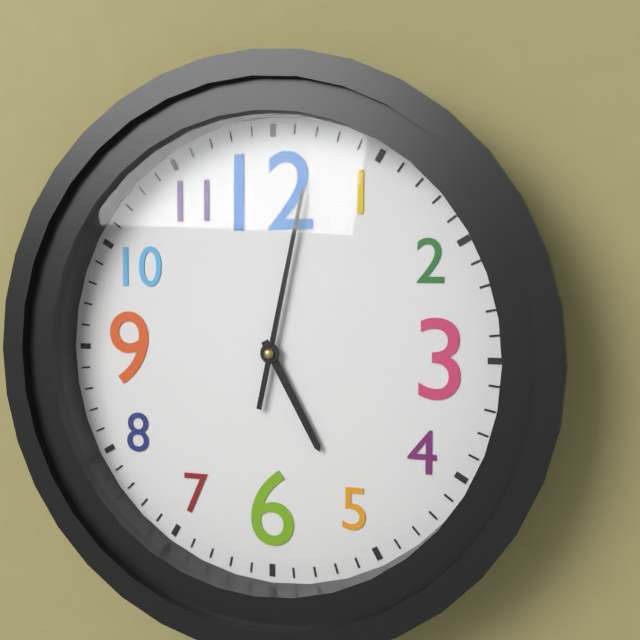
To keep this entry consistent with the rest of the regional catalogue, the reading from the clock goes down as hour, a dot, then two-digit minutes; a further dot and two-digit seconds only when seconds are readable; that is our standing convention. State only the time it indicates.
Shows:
5.02
